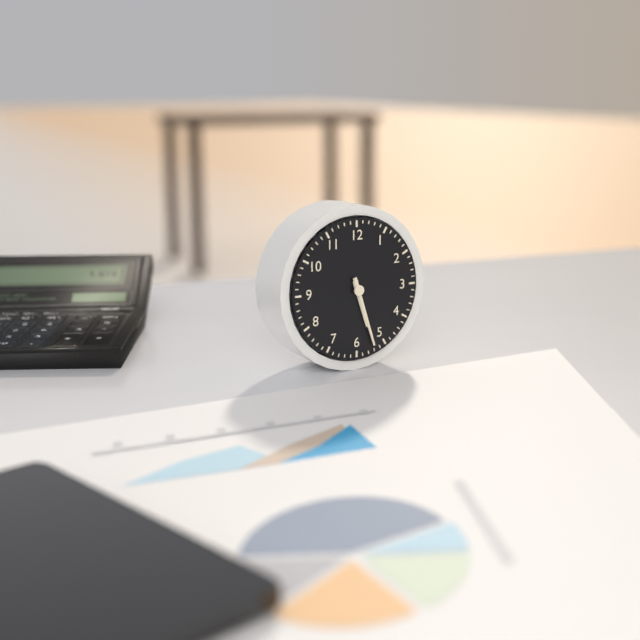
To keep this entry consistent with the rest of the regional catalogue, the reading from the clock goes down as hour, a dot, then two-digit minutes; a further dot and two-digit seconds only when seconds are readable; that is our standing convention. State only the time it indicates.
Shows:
5.27
